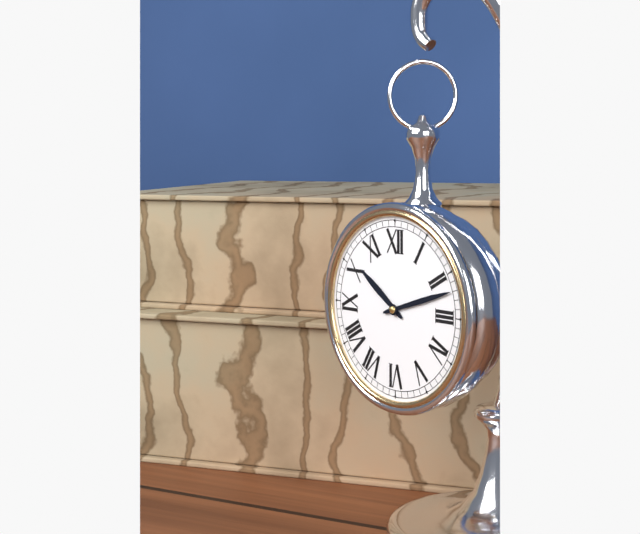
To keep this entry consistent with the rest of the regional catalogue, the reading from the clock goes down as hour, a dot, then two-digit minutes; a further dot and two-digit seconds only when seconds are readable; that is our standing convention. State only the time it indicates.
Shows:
10.12
